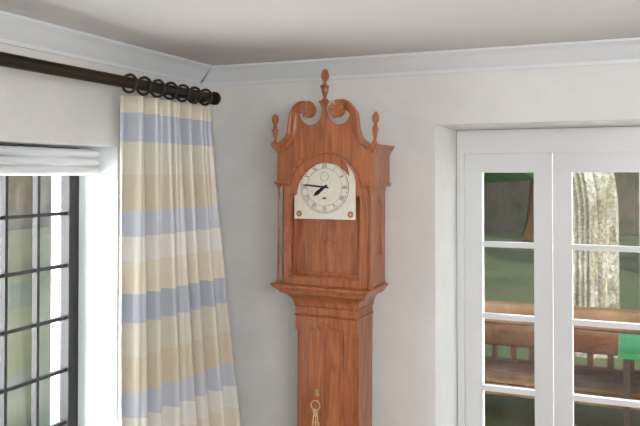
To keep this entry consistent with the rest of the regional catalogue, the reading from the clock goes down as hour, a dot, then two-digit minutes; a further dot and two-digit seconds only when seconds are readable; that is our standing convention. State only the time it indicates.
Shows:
7.46
